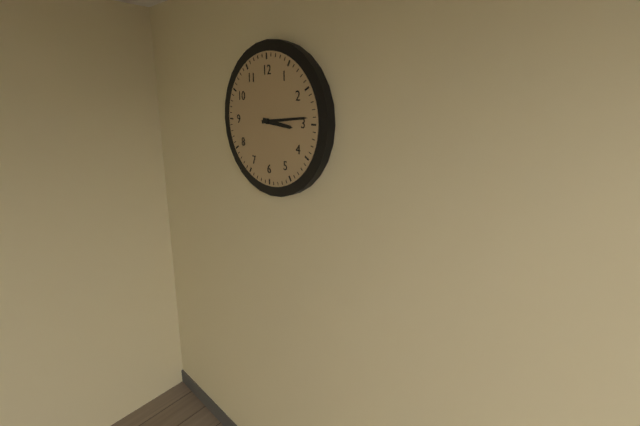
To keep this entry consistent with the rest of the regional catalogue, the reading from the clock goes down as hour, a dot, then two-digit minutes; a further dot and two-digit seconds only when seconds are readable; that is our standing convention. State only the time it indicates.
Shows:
3.14
